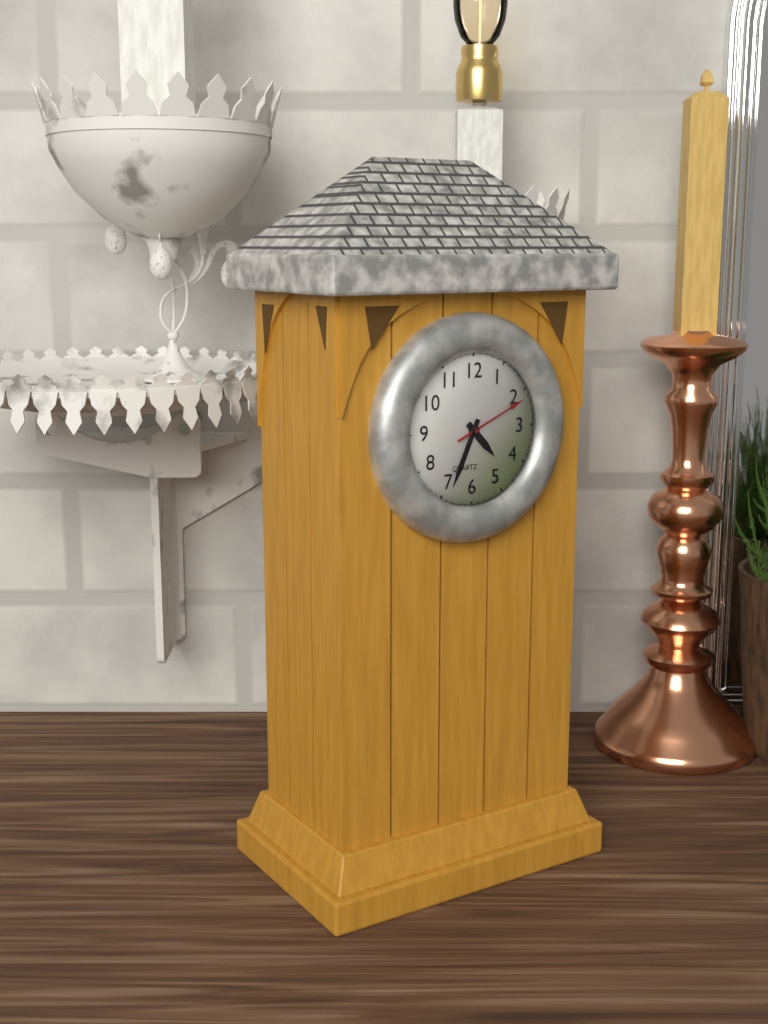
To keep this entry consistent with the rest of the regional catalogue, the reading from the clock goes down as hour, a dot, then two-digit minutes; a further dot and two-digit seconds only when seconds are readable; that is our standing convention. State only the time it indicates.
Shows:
4.34.11
